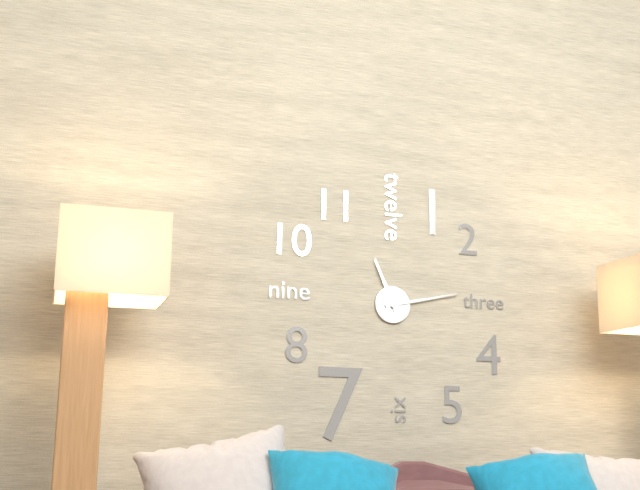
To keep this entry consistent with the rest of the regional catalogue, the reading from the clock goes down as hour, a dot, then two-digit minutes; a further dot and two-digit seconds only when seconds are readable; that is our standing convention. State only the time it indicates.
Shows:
11.13
